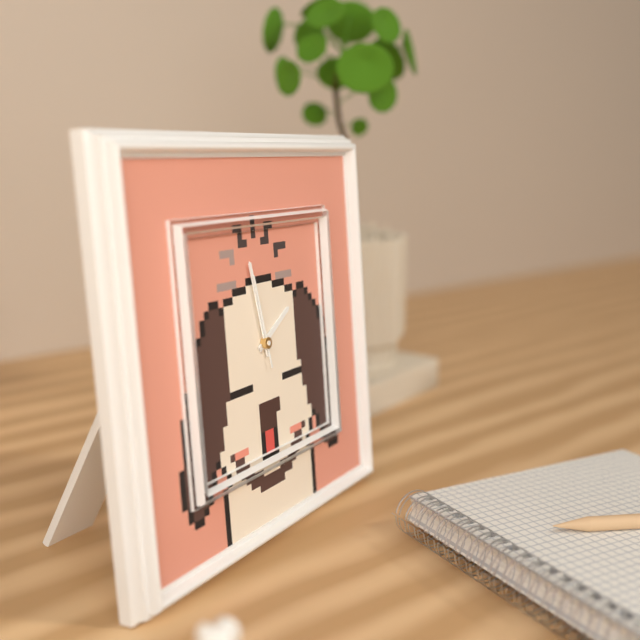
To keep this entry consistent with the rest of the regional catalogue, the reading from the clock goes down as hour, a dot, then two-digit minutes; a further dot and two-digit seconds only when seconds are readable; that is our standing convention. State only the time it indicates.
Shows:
1.58.58
